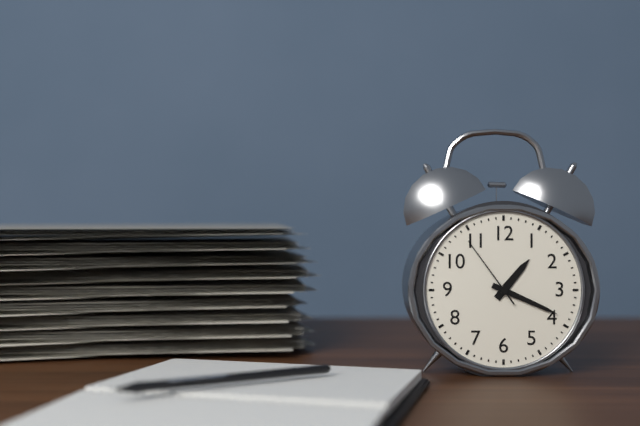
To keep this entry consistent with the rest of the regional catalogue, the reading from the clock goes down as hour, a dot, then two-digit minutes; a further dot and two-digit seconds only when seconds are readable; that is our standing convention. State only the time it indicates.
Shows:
1.19.54
